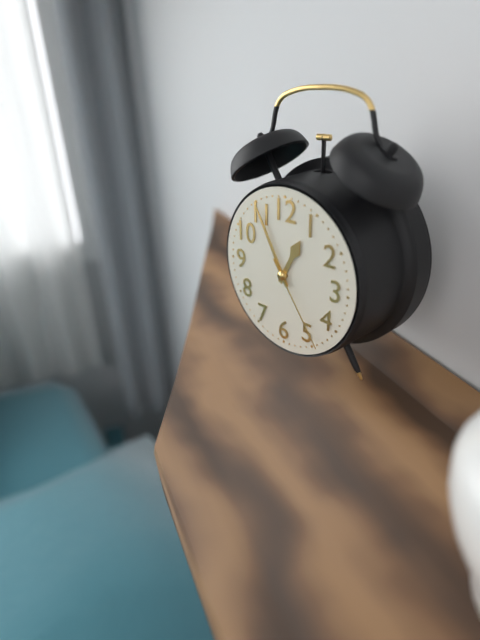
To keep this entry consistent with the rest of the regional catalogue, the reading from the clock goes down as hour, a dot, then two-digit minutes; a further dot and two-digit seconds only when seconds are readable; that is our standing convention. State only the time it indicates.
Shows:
12.55.24
